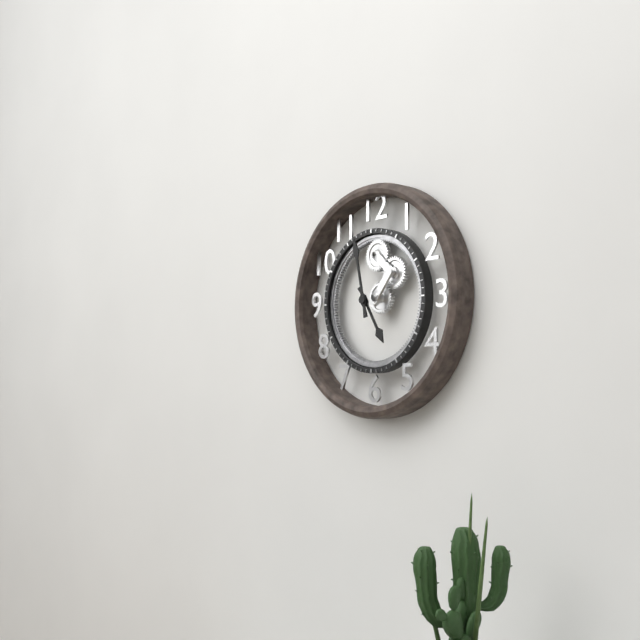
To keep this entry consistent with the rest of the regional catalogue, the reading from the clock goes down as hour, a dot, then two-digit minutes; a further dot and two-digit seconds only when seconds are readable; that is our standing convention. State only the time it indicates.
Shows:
4.58
